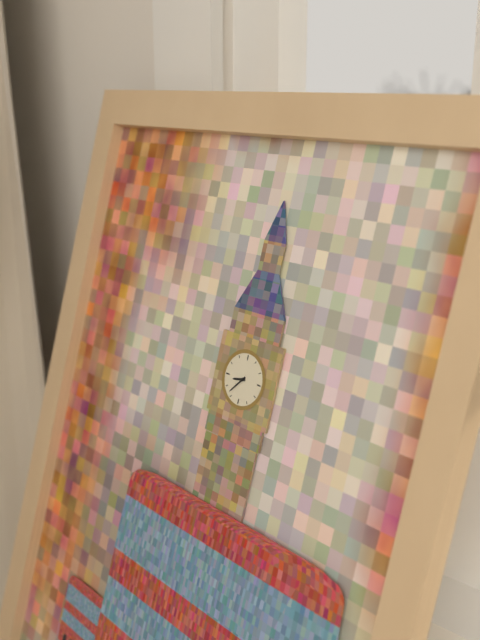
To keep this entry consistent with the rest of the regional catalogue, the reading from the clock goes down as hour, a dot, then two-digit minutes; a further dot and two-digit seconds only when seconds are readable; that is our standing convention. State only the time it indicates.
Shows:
8.37
